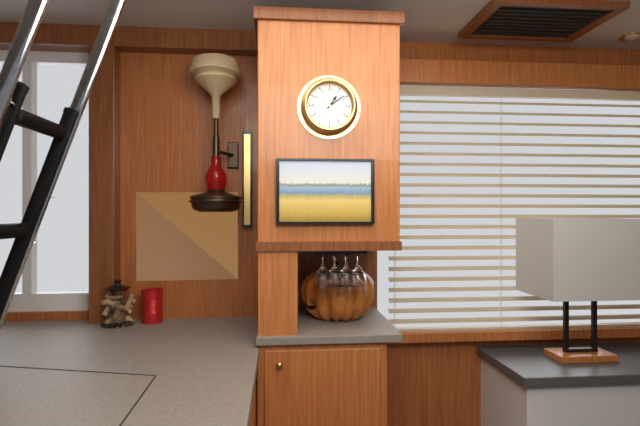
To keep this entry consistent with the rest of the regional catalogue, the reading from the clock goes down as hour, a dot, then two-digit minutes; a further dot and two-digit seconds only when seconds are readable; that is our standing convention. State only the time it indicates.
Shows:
1.09
